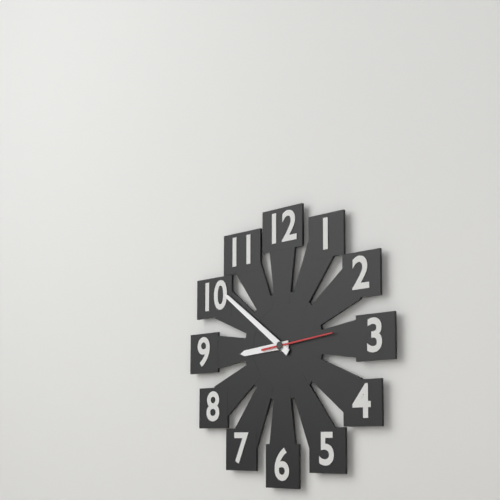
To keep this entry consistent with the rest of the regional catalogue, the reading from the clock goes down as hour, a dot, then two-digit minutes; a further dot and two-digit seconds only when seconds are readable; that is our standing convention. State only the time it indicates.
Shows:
8.51.14
